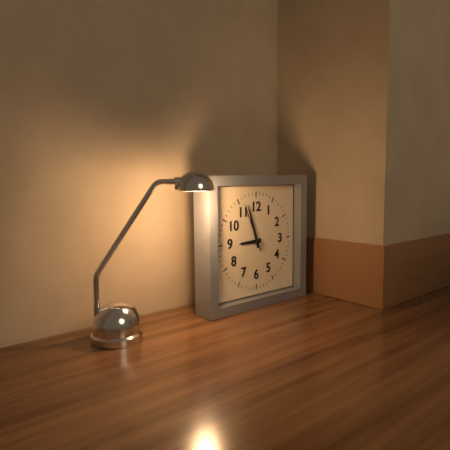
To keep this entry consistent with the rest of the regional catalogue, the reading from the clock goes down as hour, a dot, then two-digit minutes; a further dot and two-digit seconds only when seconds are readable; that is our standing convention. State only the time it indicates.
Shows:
8.57
